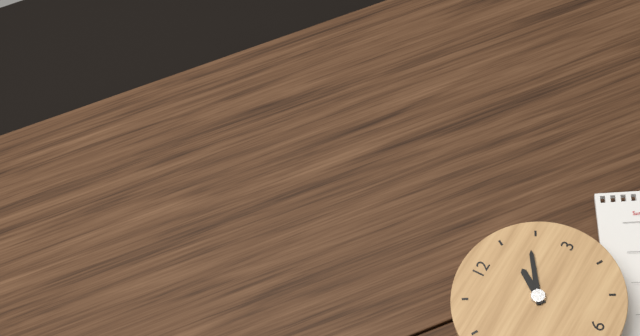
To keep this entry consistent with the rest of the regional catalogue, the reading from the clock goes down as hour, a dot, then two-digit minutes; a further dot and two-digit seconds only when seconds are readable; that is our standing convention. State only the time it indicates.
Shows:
1.09
